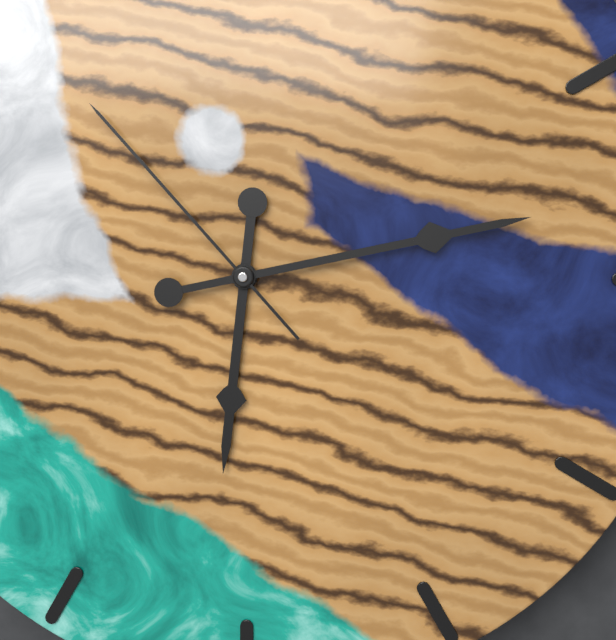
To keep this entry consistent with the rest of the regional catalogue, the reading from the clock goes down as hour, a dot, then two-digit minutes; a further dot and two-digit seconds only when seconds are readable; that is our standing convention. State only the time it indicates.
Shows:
6.13.53
